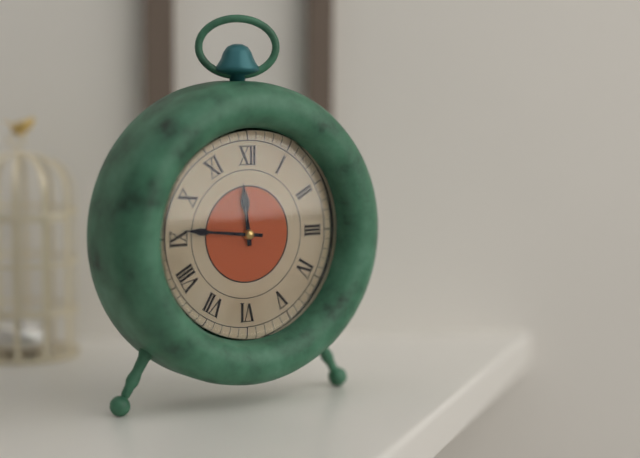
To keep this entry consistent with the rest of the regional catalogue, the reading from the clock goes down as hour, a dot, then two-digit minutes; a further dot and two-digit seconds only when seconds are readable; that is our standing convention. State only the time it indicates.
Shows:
11.46
